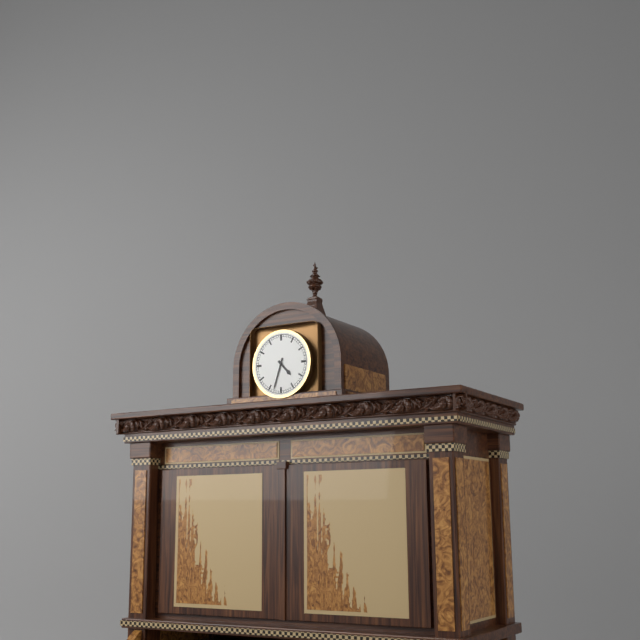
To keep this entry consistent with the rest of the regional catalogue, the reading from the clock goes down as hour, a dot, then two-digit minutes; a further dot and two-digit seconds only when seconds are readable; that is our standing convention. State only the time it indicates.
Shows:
4.33
